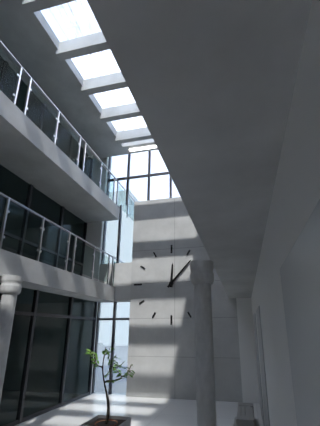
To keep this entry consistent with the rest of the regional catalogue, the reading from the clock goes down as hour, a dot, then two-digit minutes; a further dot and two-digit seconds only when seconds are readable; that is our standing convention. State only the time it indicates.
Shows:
12.07
